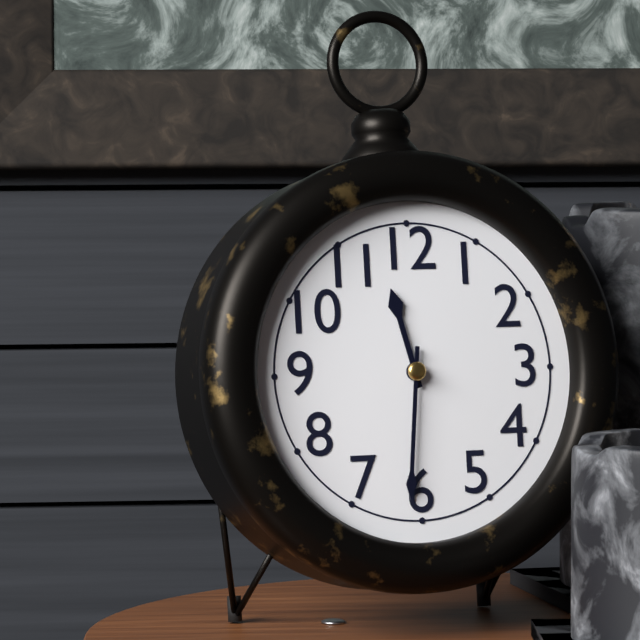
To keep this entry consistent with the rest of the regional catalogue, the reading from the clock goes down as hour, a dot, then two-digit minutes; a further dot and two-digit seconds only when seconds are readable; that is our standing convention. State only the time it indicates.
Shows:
11.31
